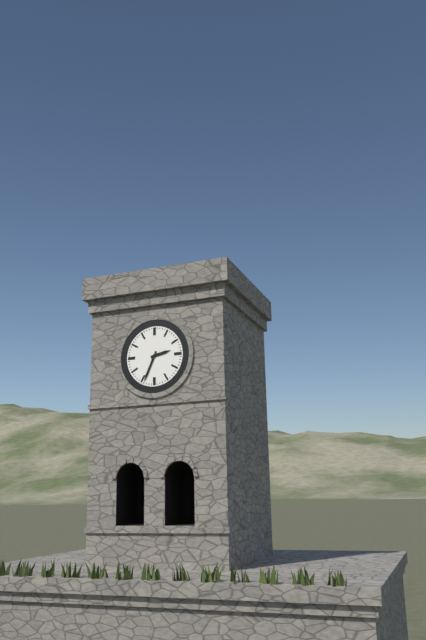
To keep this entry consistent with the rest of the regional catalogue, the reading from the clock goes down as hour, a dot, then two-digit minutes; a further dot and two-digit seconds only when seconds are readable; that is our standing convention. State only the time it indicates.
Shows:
2.34
